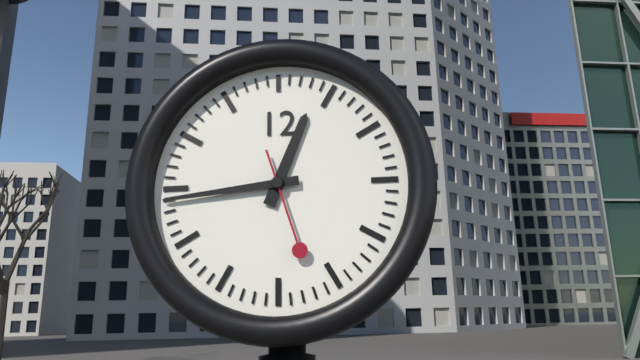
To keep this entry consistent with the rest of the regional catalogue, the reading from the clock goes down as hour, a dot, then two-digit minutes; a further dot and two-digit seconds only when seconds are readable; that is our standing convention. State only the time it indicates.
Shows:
12.44.27
